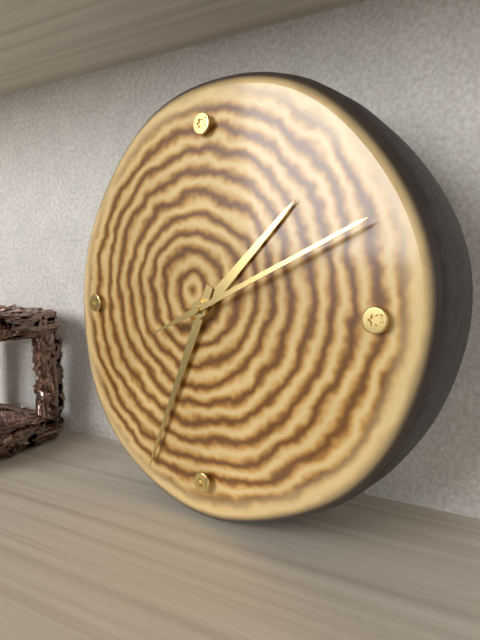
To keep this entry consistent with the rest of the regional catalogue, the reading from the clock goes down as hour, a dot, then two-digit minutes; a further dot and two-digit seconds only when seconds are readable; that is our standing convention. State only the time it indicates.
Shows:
1.34.11
